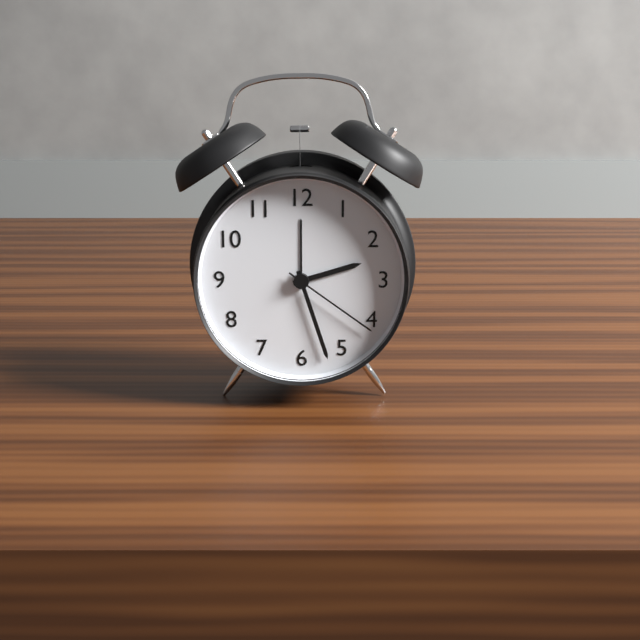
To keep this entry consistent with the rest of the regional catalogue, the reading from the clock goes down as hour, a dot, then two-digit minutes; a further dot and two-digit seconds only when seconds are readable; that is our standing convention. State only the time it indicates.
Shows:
2.27.21
